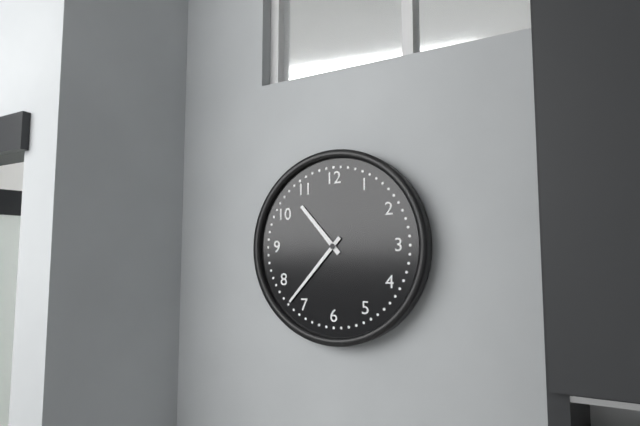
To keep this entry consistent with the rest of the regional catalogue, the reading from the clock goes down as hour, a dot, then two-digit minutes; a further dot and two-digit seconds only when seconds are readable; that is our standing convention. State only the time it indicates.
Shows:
10.37
